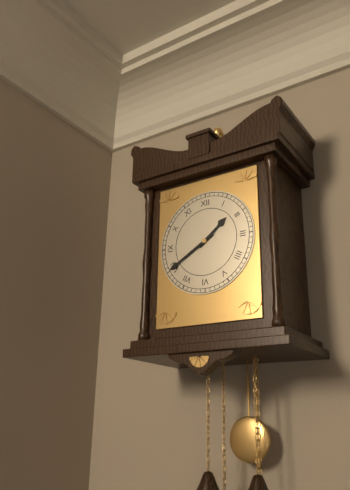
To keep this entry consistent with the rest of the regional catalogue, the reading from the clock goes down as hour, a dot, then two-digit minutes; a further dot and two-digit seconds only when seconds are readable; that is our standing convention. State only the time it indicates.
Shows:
1.40
